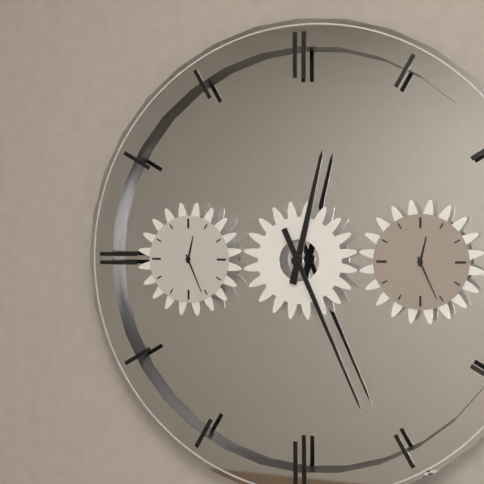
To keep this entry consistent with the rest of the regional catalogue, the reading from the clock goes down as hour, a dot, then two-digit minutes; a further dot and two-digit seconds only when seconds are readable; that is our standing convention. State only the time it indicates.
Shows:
12.26
